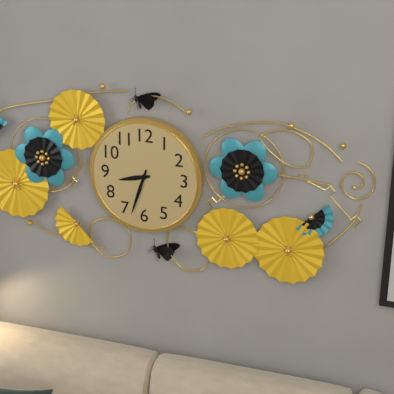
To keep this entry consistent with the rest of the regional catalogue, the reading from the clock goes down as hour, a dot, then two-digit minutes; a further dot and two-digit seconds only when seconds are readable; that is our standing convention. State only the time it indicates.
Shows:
8.33
